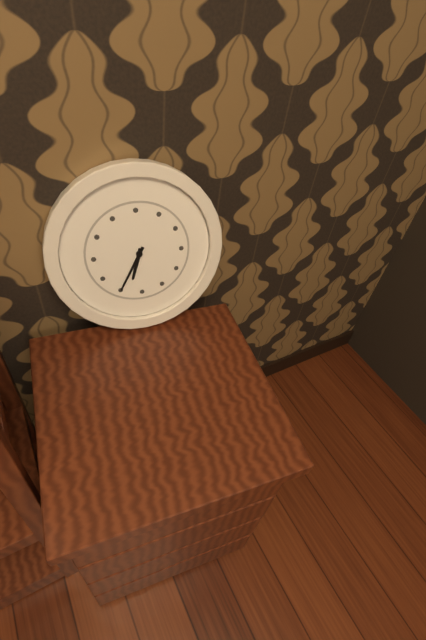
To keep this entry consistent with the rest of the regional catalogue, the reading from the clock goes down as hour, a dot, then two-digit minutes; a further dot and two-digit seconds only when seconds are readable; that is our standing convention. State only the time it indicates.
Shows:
6.35
